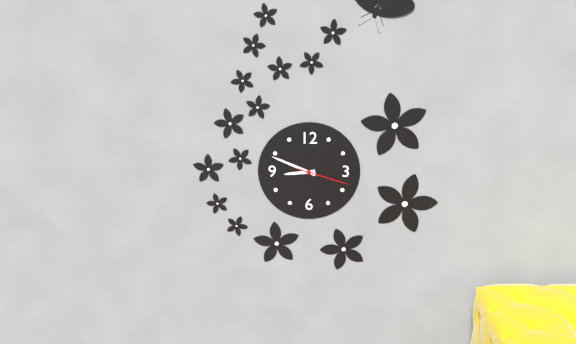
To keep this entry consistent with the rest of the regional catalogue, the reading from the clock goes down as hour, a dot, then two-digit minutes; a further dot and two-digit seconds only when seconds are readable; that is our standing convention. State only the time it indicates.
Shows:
8.49.18
